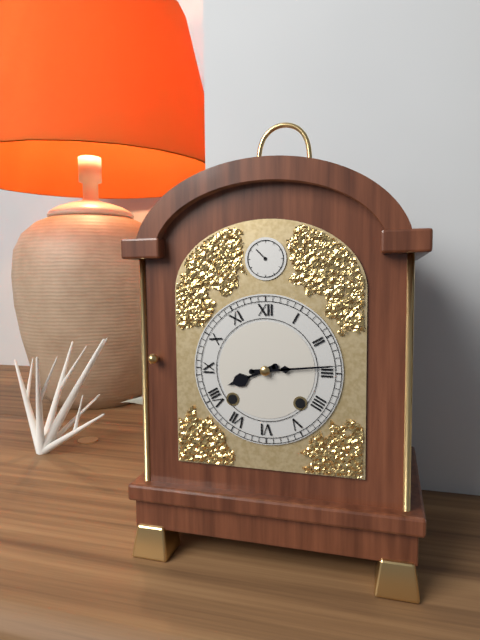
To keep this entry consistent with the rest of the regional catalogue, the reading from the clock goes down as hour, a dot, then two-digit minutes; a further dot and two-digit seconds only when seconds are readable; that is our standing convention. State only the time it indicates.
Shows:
8.14
